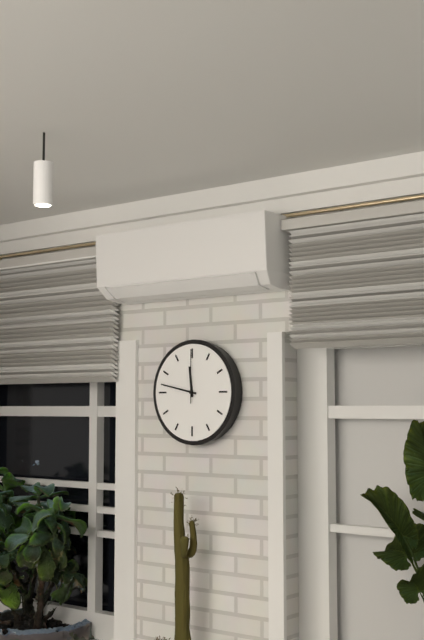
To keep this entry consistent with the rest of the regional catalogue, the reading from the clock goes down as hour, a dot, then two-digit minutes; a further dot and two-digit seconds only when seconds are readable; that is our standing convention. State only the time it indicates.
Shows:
11.47.00
